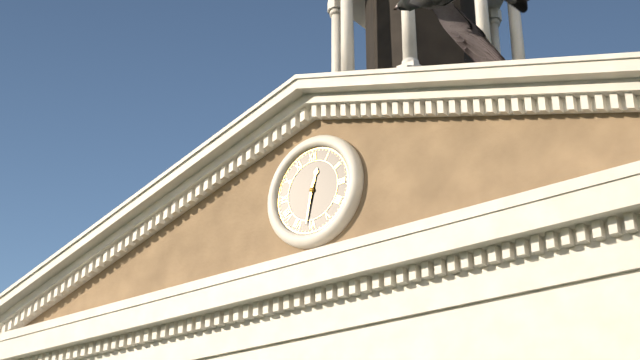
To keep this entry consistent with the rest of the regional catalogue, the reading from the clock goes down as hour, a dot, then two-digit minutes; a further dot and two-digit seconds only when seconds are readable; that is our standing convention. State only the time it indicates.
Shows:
12.32
